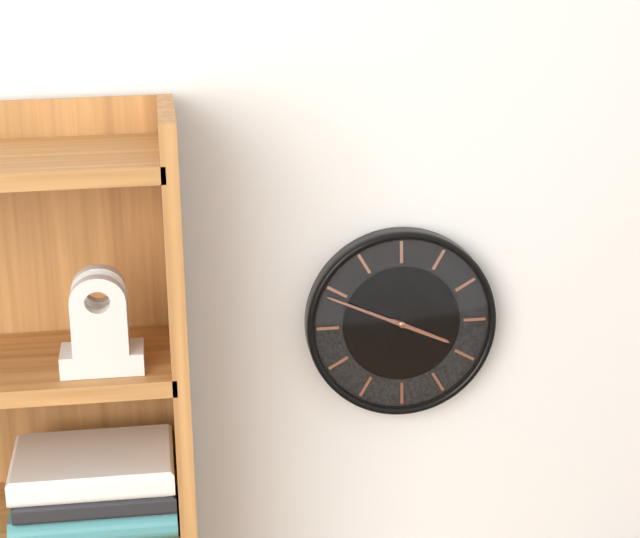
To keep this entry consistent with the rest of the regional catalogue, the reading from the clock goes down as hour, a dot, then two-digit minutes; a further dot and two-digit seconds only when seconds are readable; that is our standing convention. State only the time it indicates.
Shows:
3.49
